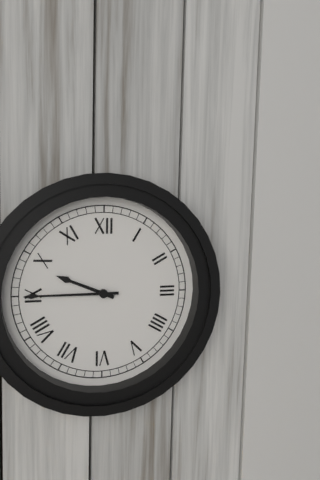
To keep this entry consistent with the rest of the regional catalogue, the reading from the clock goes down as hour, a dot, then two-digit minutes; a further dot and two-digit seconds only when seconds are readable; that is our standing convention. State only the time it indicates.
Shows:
9.45
